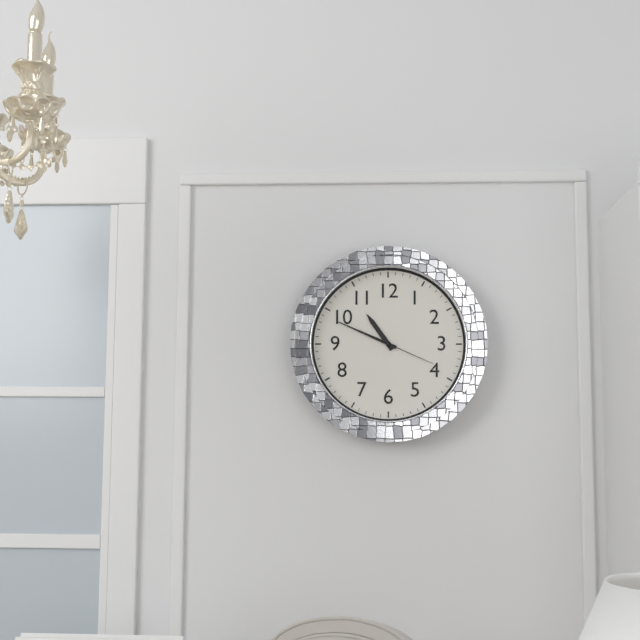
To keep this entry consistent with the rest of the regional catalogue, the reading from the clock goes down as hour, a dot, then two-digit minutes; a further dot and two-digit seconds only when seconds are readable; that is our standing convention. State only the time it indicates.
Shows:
10.49.19
